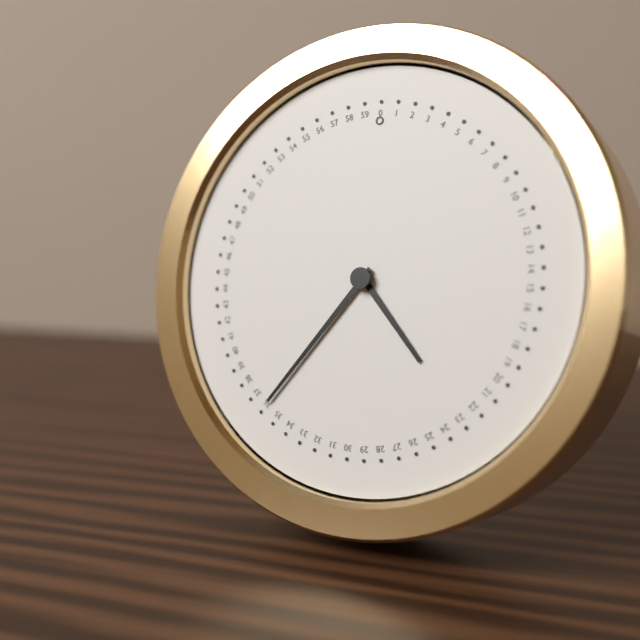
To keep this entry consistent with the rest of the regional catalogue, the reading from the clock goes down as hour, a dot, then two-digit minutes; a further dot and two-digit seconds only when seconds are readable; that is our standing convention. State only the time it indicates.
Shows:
4.36
